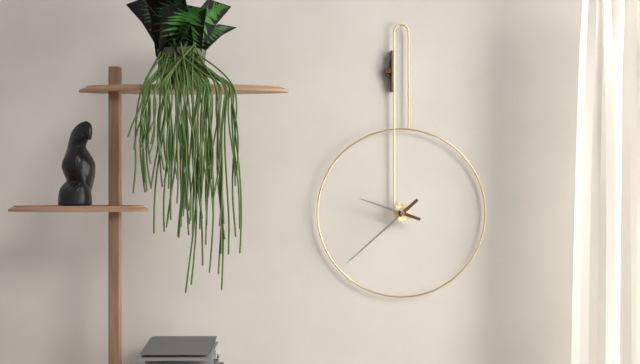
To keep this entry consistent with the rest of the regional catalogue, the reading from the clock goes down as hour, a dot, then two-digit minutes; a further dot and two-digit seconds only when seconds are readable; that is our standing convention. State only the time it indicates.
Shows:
9.38
